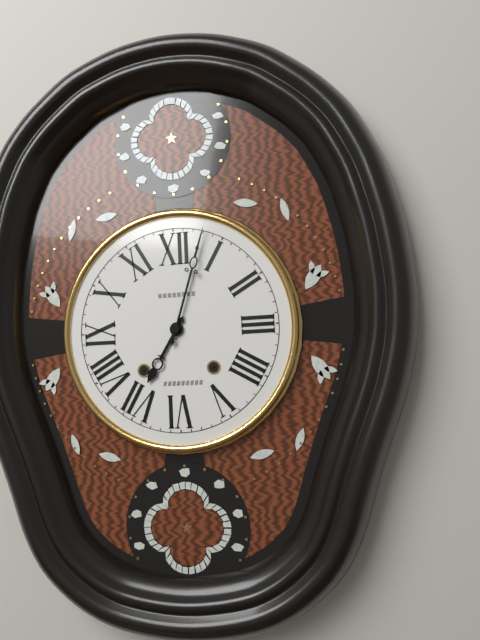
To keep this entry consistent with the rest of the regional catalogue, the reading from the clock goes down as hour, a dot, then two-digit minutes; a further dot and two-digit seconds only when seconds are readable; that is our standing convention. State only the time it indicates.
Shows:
7.03
